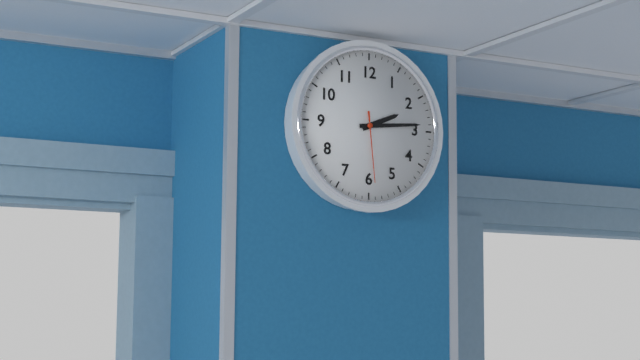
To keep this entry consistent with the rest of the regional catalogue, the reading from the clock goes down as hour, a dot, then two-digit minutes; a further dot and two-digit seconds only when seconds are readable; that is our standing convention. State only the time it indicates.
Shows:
2.14.29
